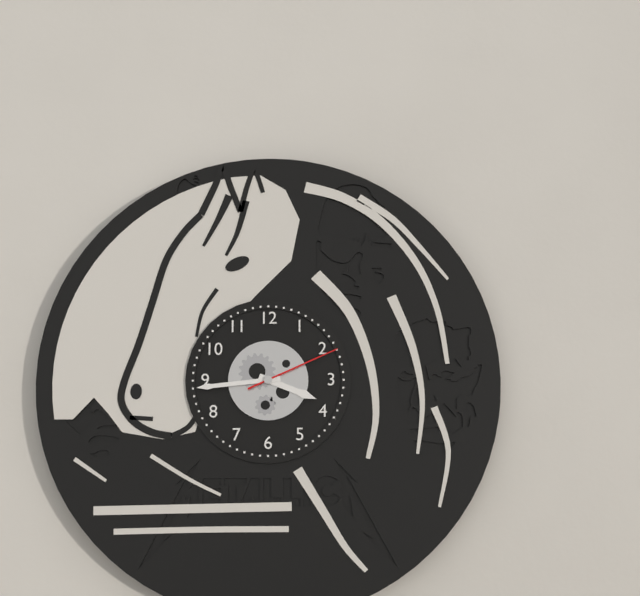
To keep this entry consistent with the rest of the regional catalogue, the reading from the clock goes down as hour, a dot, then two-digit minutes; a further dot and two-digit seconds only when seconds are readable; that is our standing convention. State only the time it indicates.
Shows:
3.44.11
